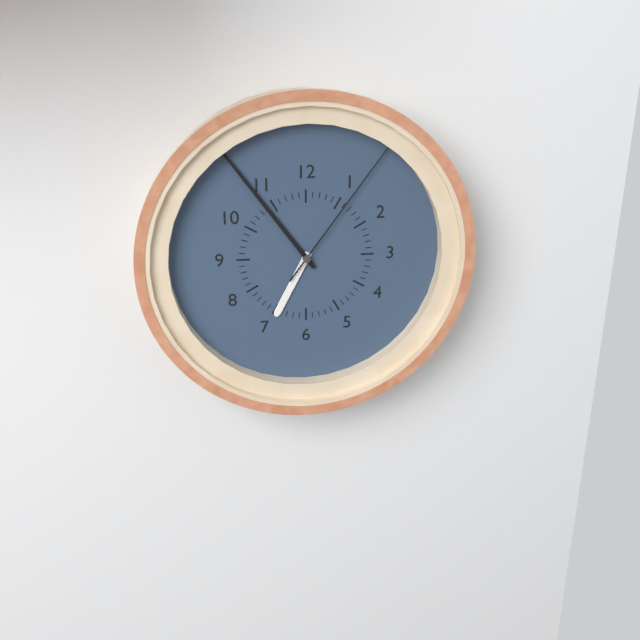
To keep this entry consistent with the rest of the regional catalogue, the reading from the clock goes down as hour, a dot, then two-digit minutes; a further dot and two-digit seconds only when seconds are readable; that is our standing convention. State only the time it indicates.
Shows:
6.54.06
